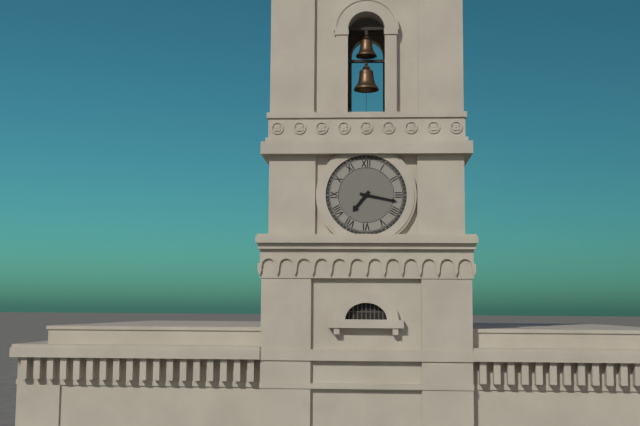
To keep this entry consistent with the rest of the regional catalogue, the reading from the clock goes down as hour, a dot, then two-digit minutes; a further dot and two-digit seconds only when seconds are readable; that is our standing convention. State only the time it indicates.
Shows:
7.17
